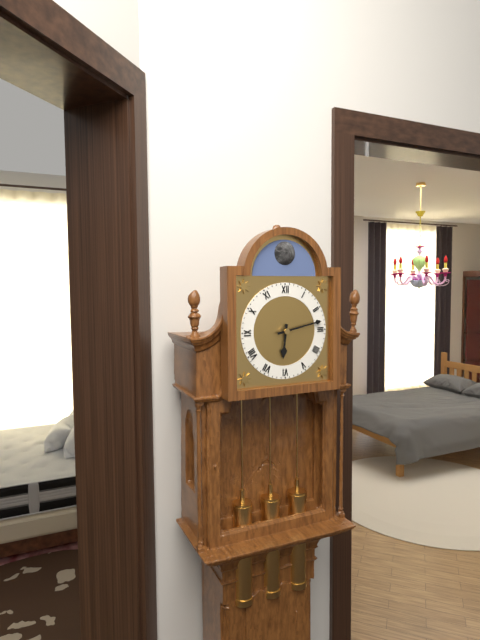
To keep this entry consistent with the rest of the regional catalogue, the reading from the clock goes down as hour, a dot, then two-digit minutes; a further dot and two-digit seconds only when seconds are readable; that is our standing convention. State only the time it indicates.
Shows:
6.13
